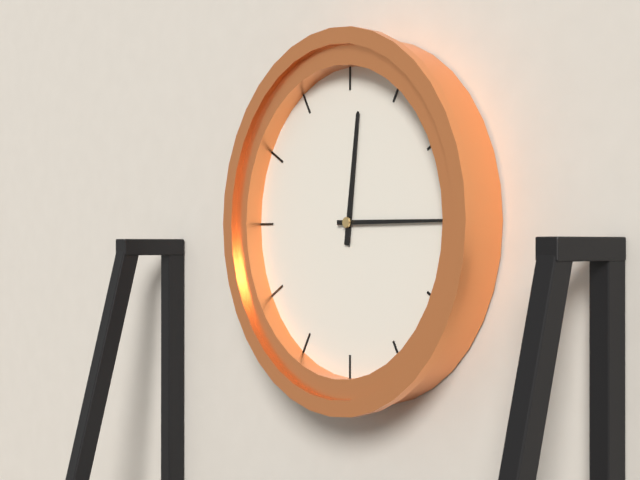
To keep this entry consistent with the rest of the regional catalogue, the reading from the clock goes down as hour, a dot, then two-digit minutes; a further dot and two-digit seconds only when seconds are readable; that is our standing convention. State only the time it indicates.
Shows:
12.15
